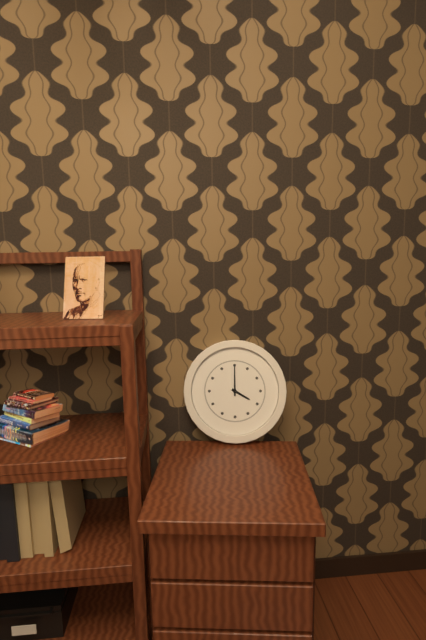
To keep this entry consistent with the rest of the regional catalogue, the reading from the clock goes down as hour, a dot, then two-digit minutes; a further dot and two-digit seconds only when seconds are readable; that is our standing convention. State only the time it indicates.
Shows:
4.00
